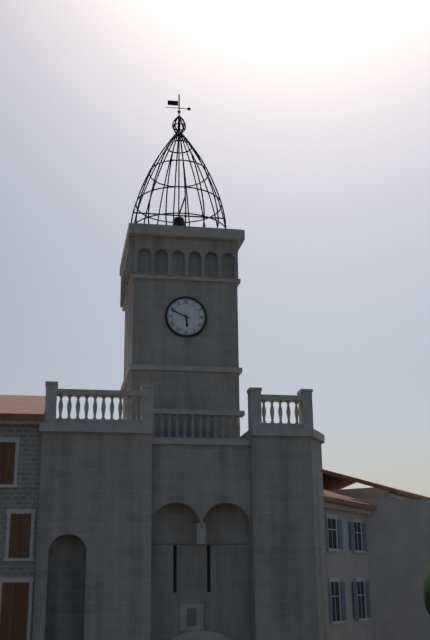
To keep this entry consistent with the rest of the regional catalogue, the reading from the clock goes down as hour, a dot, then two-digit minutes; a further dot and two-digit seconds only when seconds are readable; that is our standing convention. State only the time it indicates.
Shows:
5.49
